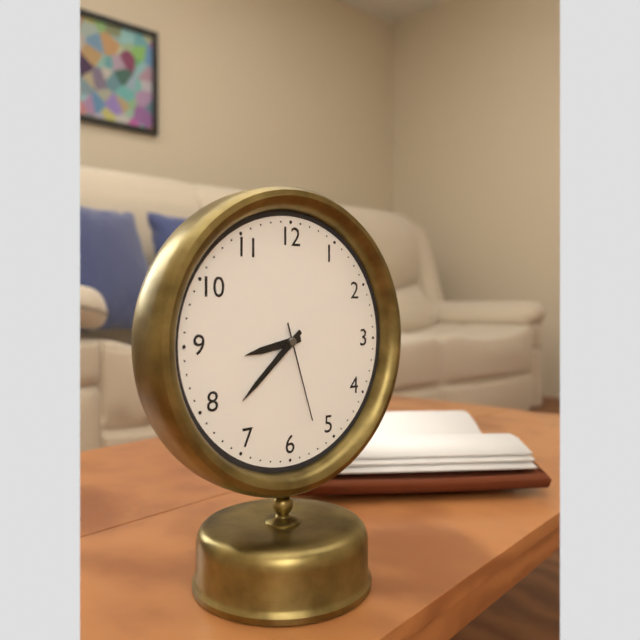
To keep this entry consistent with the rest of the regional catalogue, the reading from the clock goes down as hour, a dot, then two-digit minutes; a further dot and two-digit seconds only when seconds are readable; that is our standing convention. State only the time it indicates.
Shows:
8.38.27
